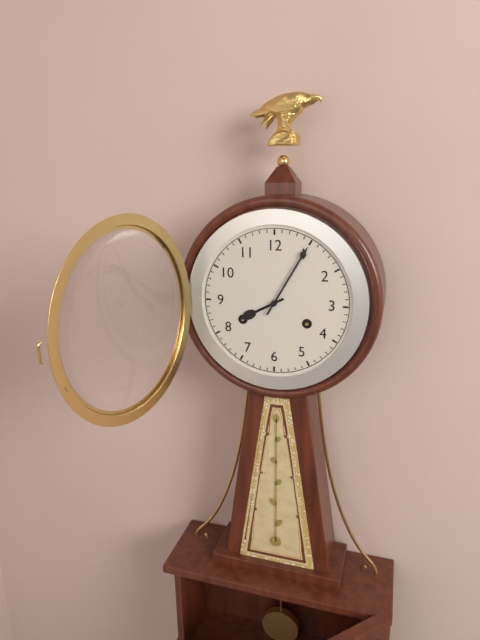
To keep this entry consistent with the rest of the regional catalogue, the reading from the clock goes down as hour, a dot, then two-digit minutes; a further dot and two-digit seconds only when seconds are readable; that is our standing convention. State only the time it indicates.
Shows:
8.05
